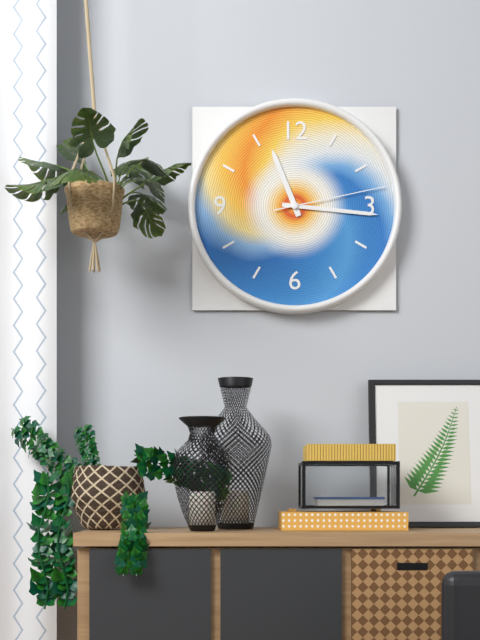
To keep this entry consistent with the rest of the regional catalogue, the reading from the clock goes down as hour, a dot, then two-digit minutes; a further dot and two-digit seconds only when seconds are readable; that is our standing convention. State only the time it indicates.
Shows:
11.16.13
